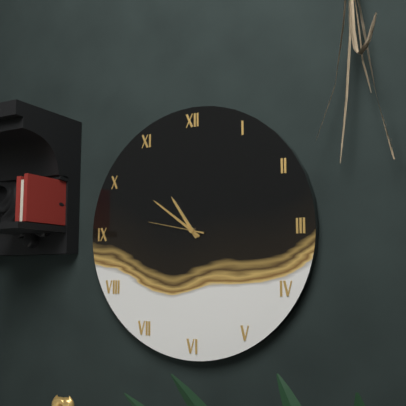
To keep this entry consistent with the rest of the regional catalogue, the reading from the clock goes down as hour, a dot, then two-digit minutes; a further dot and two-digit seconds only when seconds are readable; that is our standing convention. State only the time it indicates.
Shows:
10.51.47
